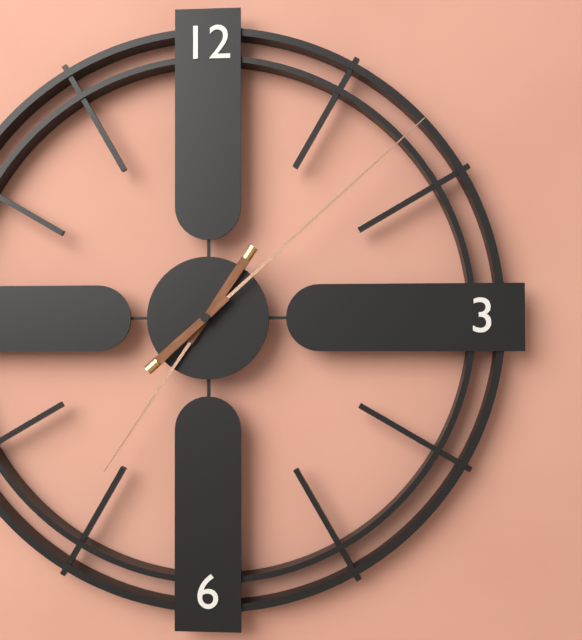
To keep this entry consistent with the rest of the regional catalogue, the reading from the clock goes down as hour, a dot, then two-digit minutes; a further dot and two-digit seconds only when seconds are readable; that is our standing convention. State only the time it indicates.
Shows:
7.08
